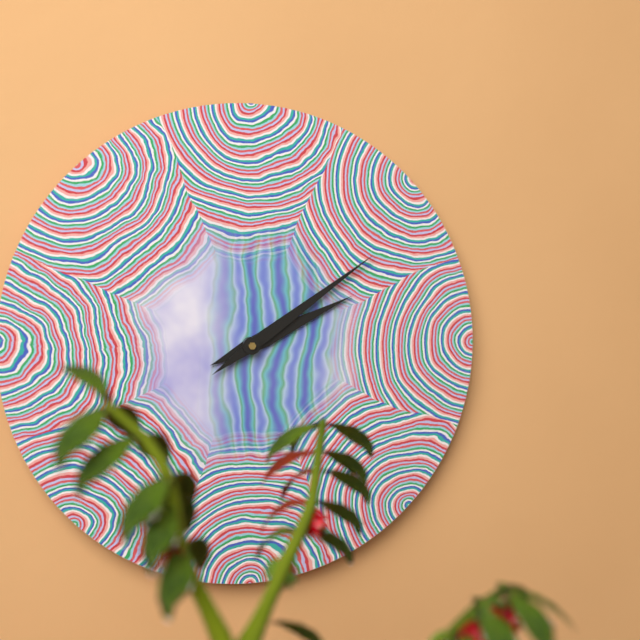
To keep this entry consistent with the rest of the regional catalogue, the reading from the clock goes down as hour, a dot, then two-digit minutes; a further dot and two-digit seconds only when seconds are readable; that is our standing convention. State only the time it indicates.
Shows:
2.09
